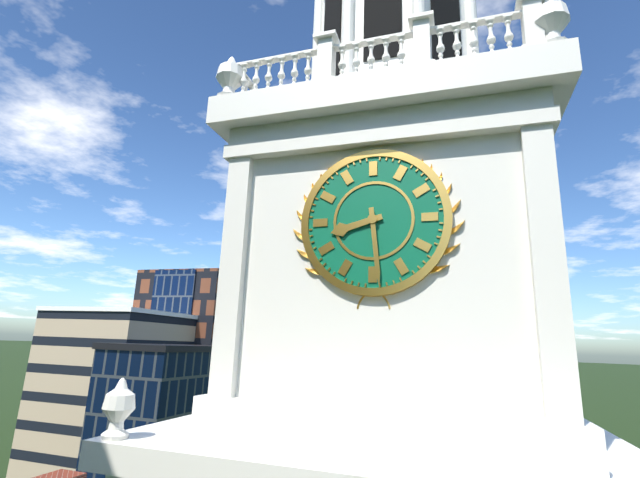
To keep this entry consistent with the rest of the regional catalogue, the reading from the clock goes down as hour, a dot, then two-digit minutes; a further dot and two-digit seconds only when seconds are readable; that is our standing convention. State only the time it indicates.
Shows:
8.29
